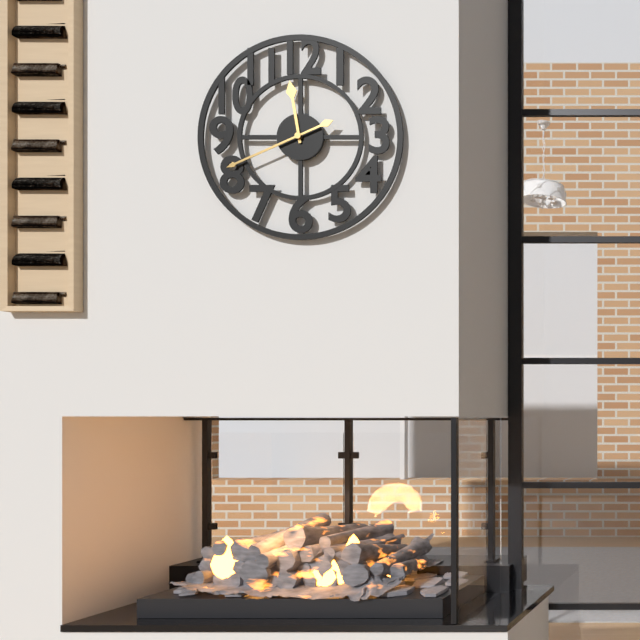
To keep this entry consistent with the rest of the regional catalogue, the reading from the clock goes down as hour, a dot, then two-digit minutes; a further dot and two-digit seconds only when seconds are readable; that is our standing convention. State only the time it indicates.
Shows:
11.41
